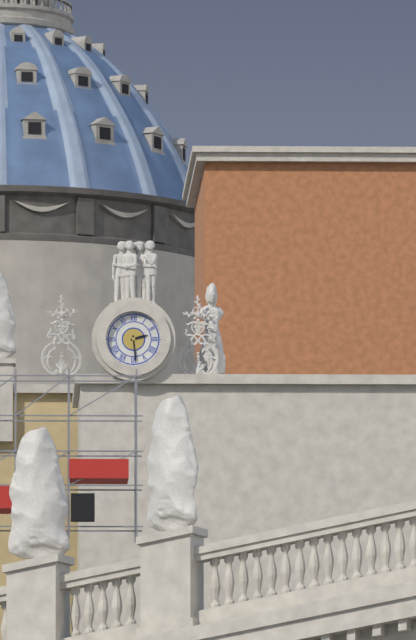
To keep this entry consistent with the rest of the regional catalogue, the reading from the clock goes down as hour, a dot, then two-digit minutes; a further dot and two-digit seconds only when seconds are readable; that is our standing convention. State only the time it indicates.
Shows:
2.29
